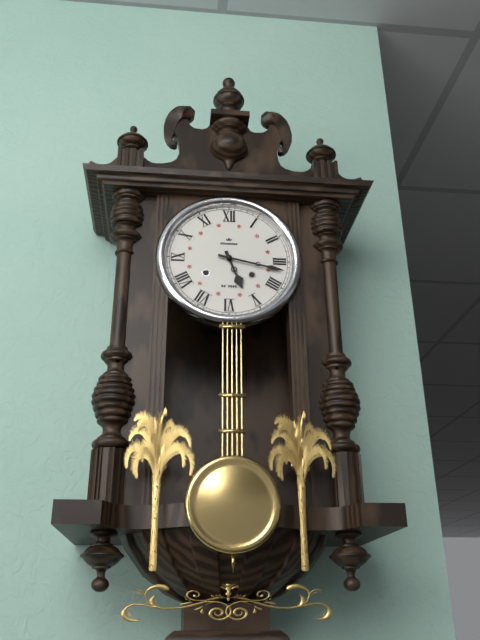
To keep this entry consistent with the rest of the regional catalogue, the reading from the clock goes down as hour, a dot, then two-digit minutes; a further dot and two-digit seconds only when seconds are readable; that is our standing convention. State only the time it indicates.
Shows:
5.17
